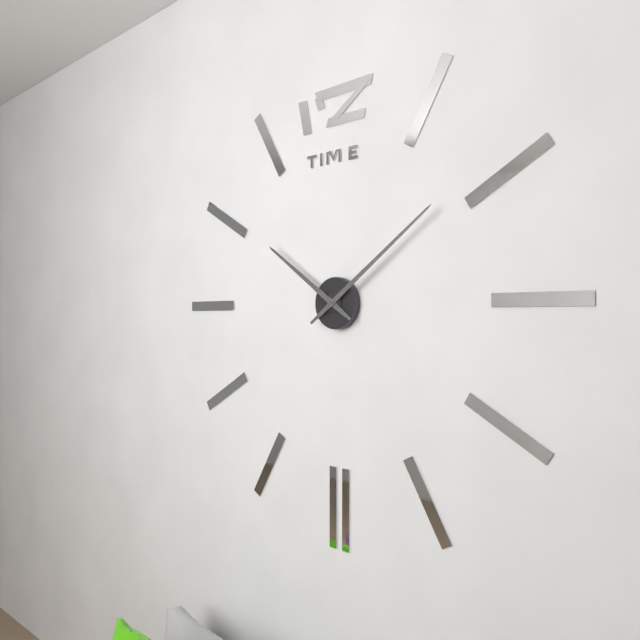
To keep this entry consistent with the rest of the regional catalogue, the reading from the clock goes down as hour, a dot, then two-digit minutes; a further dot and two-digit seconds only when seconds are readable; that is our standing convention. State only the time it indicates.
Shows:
10.09
